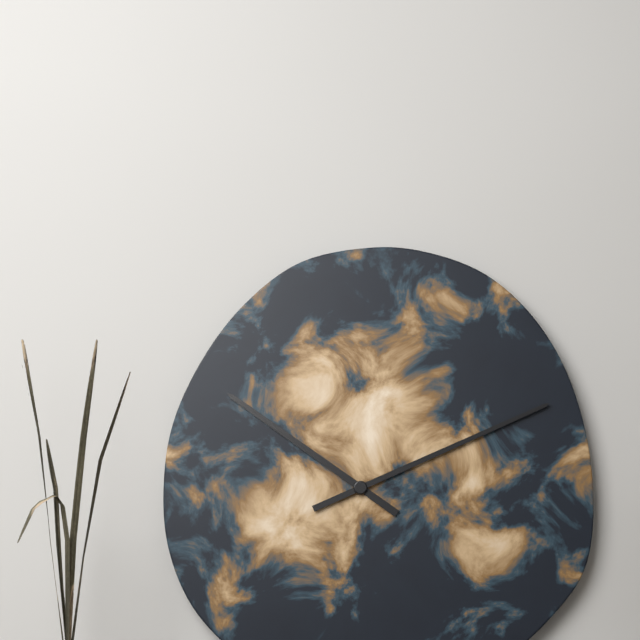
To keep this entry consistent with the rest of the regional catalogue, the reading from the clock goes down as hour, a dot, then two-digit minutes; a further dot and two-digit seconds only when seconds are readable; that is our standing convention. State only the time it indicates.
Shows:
10.11
